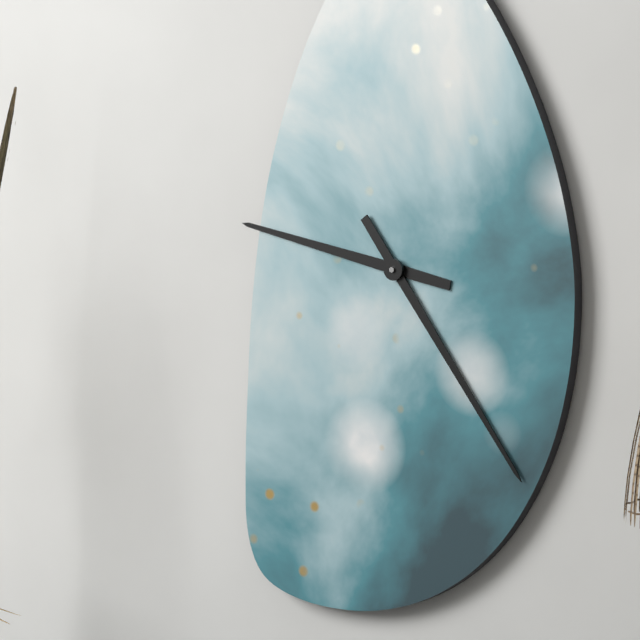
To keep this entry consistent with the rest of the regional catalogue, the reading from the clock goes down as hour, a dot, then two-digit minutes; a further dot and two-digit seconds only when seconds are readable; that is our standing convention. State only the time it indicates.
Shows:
9.24
